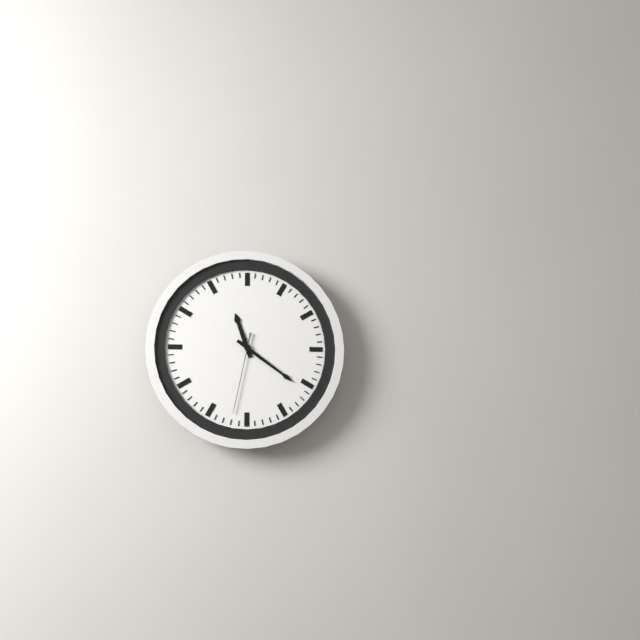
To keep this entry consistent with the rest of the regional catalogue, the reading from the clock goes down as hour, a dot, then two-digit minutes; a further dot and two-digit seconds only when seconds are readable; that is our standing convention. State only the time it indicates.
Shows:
11.21.32
